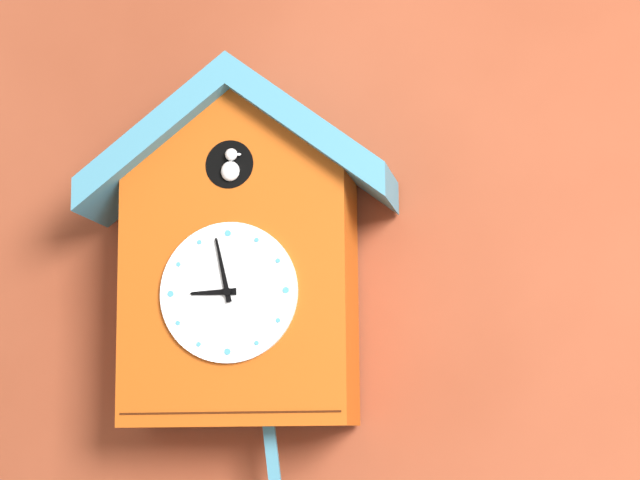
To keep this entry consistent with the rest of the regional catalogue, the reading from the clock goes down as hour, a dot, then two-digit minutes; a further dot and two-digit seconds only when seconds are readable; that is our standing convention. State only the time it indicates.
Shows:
8.58
